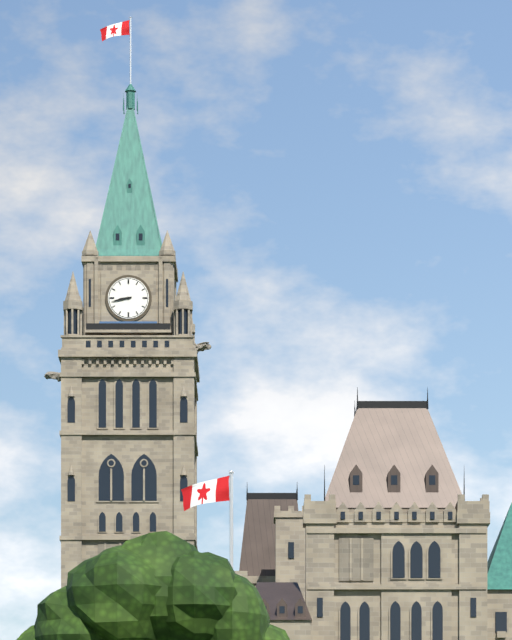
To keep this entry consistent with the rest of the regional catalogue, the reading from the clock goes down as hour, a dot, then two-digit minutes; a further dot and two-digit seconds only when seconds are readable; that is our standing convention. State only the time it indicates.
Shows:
8.43
